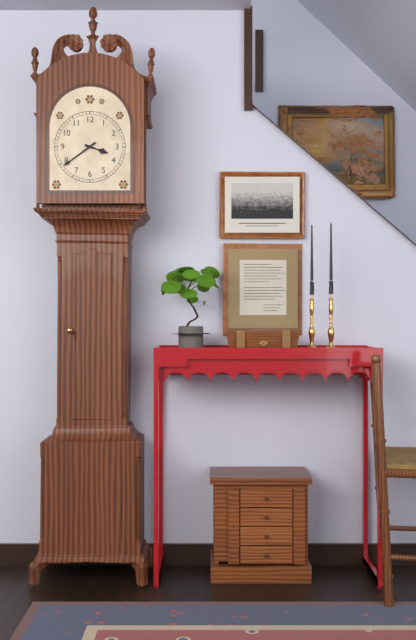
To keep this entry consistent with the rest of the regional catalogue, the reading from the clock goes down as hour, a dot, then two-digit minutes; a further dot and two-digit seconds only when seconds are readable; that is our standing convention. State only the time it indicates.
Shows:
3.39
